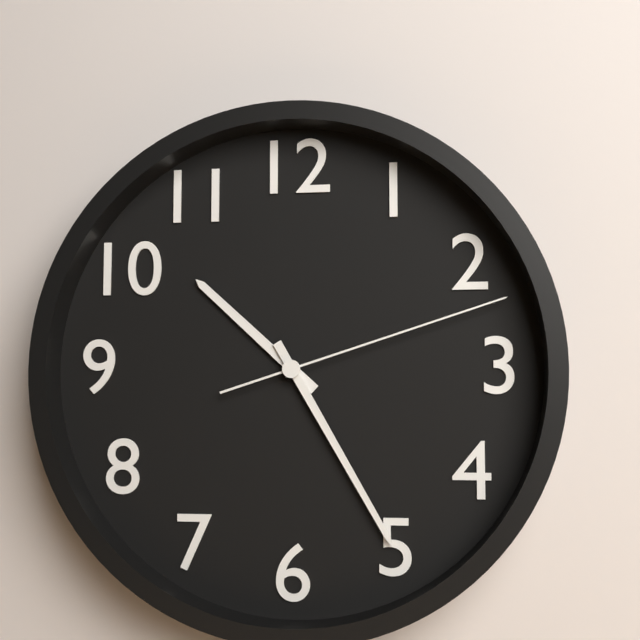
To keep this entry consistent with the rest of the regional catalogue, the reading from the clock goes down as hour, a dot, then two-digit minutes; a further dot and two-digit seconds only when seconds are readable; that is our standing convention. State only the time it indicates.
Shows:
10.25.12
